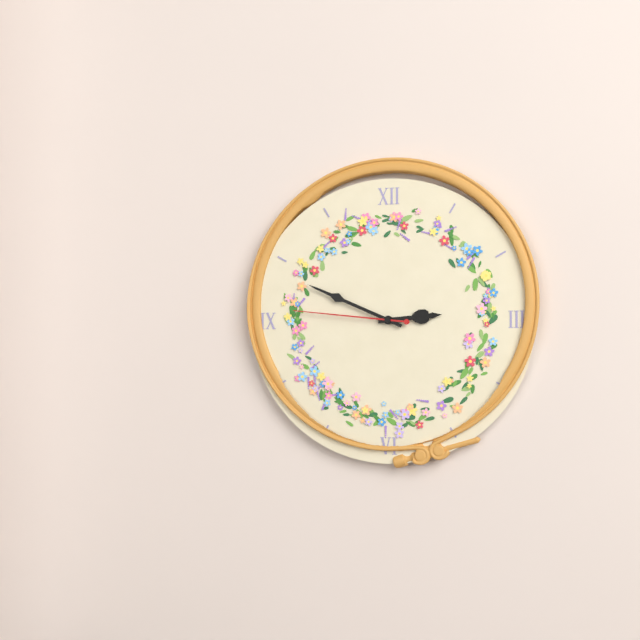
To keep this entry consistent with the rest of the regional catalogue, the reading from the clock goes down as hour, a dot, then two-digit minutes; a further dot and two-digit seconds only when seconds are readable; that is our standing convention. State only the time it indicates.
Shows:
2.49.46
